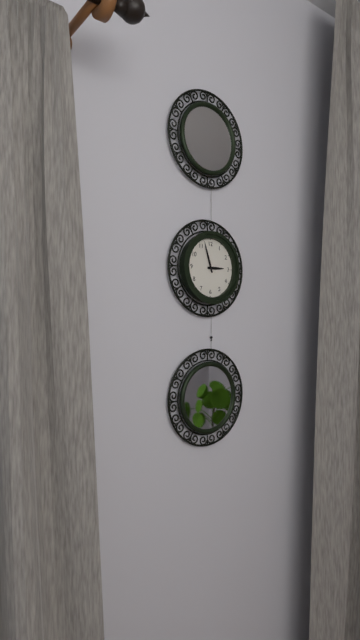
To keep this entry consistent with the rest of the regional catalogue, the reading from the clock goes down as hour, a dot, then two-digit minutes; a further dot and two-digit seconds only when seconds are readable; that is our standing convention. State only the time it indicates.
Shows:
2.57
